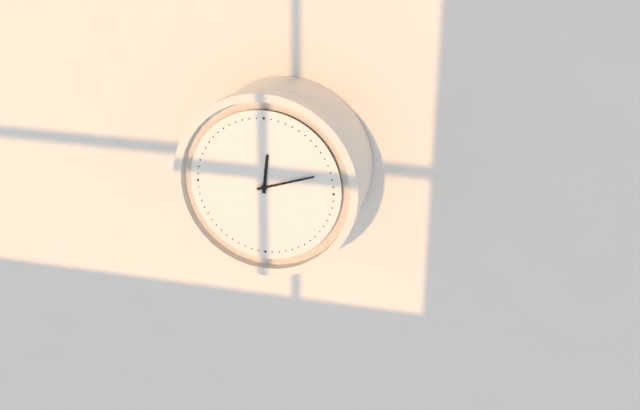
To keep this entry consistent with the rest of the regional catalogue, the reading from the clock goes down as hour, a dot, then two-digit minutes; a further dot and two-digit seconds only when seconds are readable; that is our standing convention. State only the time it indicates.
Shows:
12.12
